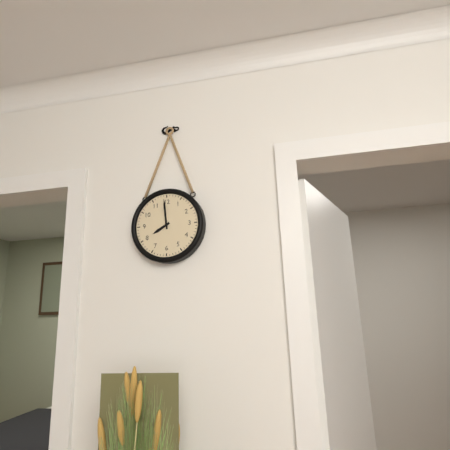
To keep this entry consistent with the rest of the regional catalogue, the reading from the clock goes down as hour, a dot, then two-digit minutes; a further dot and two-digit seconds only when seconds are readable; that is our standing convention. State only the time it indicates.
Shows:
7.59
